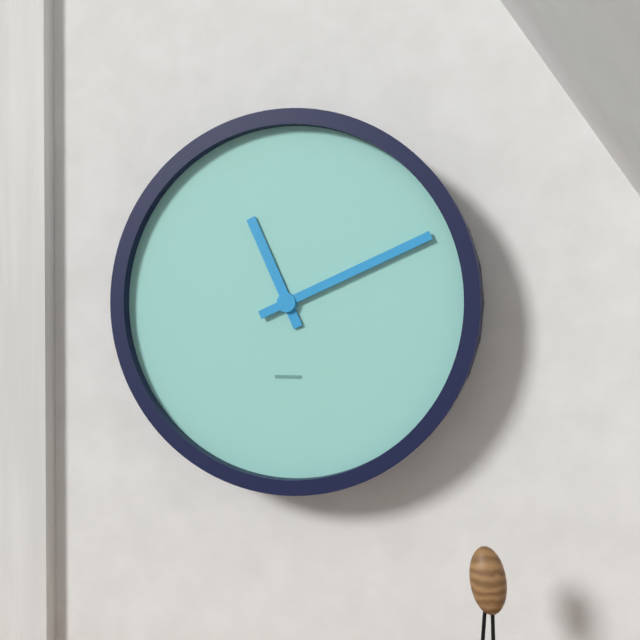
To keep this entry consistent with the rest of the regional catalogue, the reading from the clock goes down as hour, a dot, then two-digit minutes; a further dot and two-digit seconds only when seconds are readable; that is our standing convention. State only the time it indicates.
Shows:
11.11
